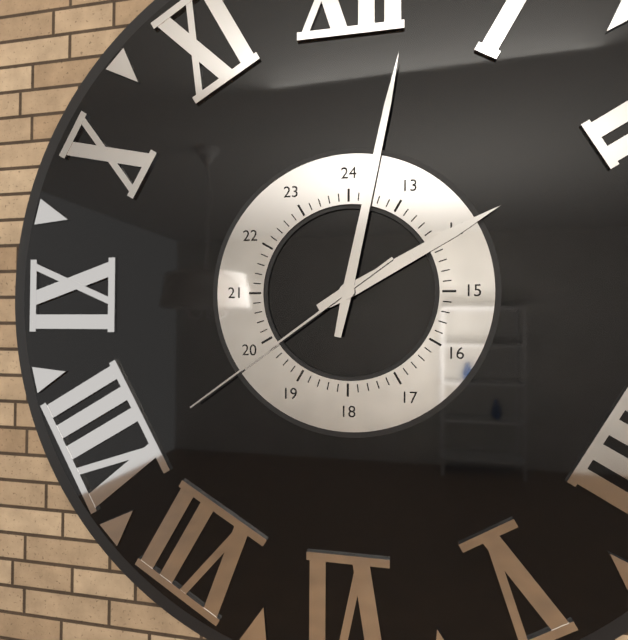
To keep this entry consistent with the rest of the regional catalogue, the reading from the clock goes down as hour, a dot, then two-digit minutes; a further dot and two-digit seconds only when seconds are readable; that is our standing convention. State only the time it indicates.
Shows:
2.02.39
